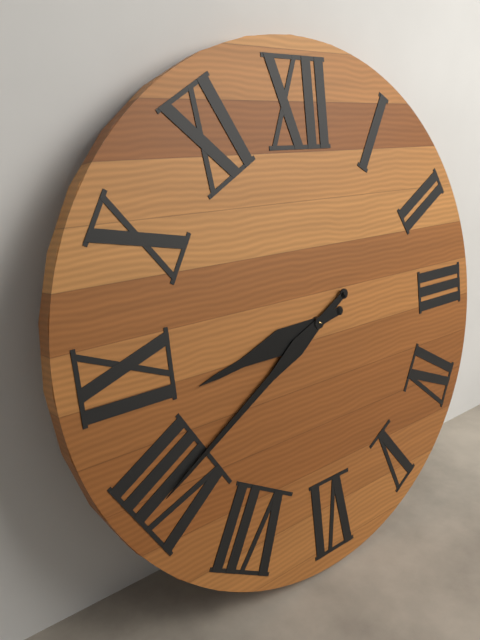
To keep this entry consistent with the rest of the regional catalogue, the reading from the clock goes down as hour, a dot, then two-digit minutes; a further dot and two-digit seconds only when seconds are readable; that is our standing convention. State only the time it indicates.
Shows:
8.40
